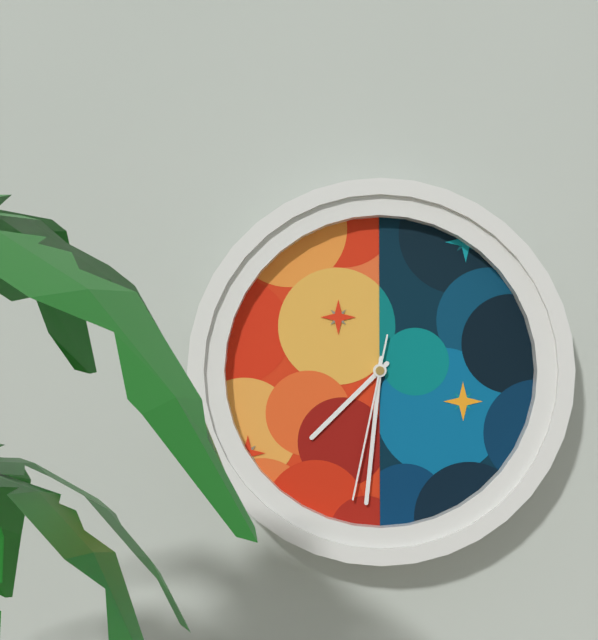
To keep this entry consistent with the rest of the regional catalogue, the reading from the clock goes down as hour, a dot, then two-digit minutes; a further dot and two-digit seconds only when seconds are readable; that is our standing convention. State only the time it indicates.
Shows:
7.31.32
